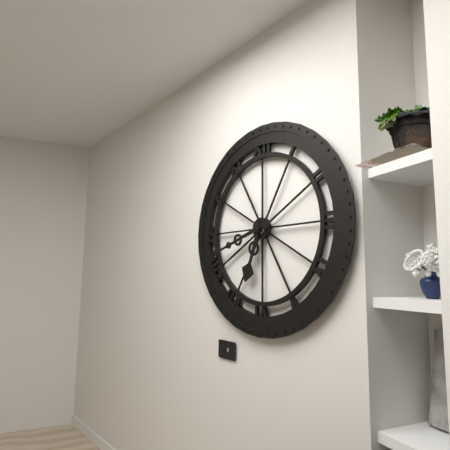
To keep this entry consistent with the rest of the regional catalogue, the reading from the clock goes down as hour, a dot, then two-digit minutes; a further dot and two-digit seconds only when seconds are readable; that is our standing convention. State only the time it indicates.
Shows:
6.42
